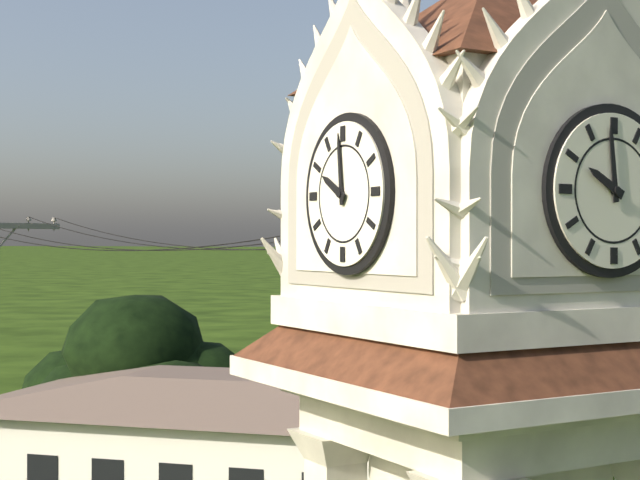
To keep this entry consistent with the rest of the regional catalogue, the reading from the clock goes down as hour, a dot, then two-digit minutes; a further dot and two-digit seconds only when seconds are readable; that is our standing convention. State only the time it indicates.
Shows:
9.59
